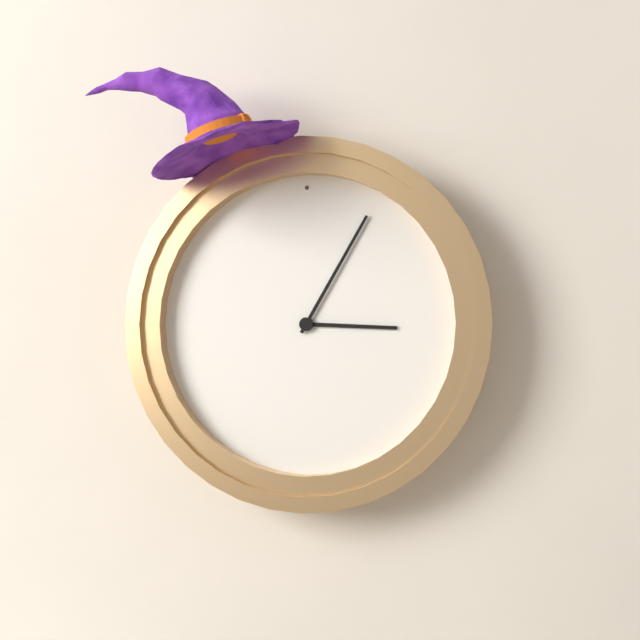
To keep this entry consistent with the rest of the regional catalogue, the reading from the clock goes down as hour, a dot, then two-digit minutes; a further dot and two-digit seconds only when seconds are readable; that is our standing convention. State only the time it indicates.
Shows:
3.05
